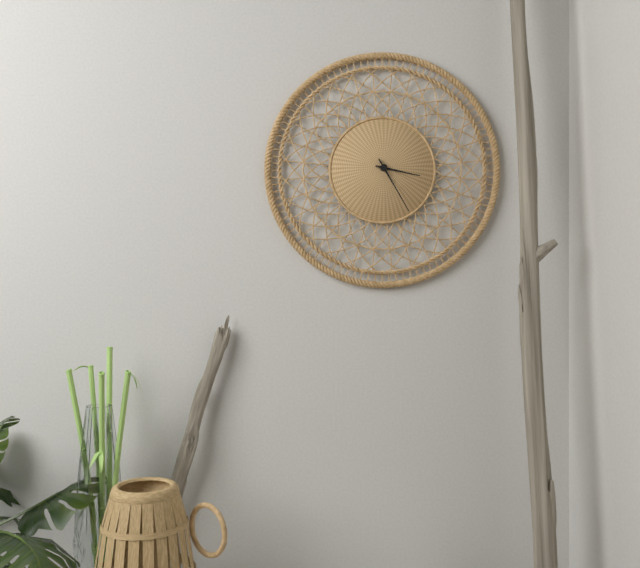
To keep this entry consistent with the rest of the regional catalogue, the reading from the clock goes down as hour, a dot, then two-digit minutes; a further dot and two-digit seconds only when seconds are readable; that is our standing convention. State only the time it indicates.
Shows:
3.25
